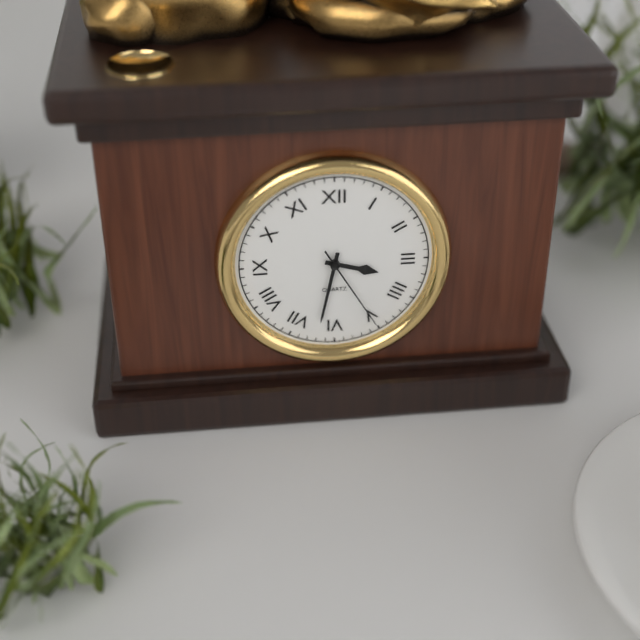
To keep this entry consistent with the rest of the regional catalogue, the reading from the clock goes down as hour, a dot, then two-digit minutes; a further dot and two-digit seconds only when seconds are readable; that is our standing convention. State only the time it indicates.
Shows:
3.32.25
